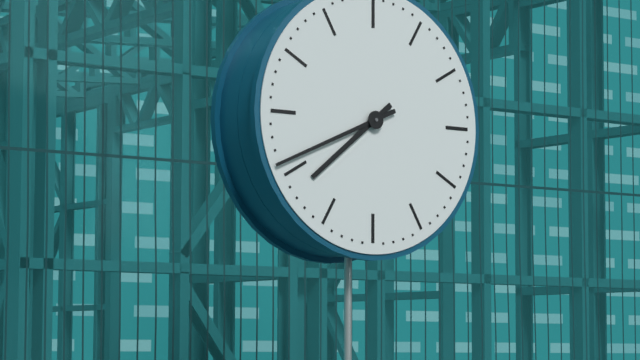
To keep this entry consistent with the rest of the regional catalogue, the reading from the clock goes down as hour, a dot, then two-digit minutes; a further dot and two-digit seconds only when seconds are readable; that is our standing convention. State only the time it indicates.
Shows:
7.41
